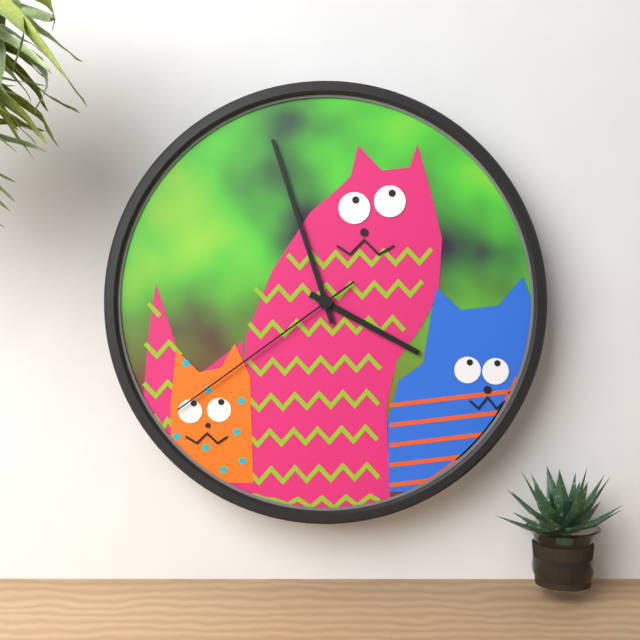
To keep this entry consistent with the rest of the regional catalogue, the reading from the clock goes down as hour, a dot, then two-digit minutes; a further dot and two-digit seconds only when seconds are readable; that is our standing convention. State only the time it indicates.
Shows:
3.57.39
